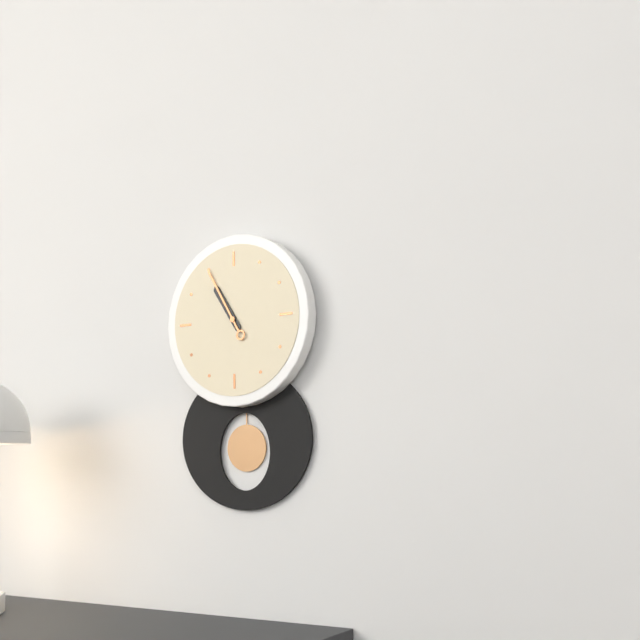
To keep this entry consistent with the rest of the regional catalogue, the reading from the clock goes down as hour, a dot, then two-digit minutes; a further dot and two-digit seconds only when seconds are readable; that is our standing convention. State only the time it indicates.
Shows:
10.55
